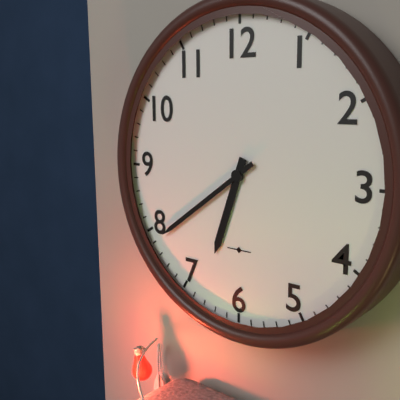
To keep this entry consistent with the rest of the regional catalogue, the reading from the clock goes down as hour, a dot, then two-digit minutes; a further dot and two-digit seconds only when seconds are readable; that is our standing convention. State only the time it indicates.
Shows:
6.39
